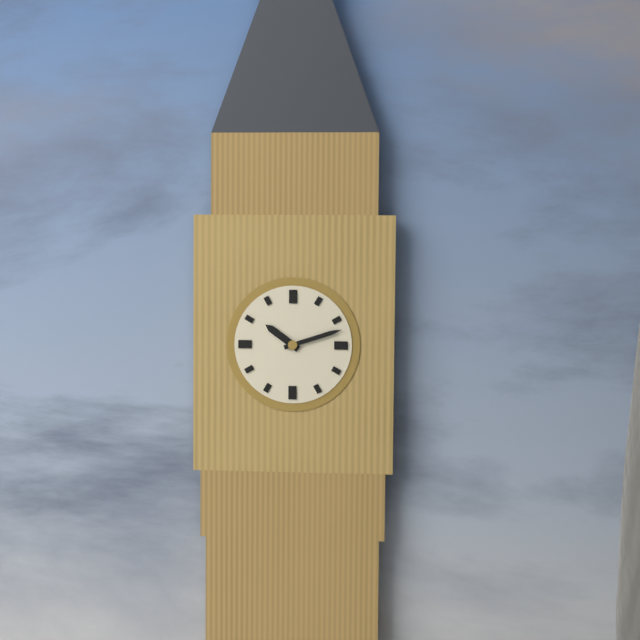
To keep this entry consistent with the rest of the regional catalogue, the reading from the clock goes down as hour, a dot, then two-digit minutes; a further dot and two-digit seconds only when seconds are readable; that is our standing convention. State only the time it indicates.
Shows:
10.12
